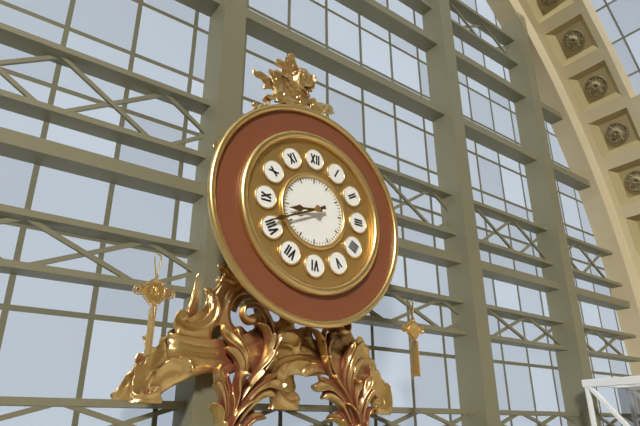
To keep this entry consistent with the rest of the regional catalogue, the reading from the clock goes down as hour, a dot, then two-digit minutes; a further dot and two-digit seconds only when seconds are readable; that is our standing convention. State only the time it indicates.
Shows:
8.41
